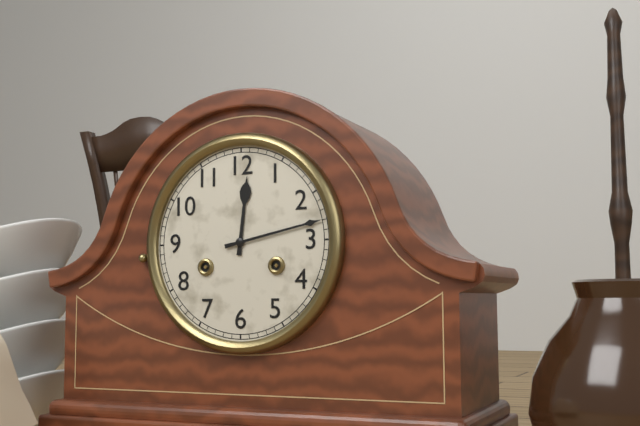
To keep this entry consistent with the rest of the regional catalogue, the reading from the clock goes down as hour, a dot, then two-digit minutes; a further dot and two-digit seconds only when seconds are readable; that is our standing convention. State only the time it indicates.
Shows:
12.13
